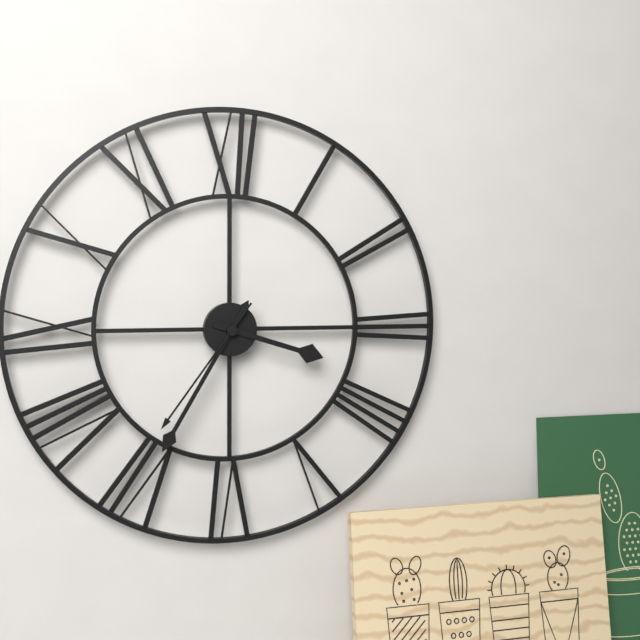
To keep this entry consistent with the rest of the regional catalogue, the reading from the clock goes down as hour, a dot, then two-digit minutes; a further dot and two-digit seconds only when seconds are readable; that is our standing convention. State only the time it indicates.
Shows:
3.35.36
